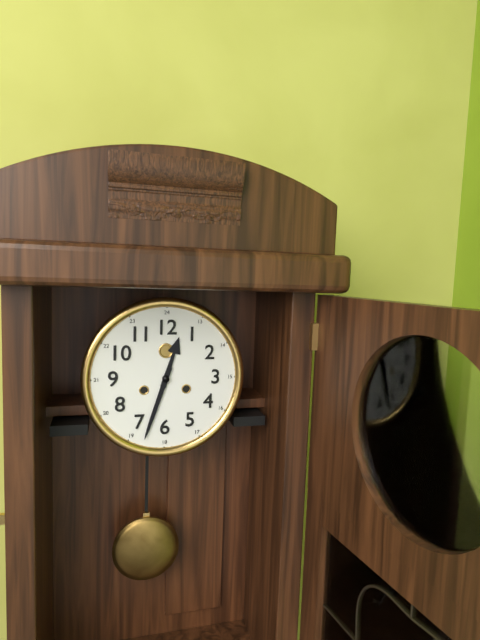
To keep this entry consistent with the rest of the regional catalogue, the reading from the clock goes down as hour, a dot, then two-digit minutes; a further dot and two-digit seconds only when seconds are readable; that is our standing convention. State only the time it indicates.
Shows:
12.33
